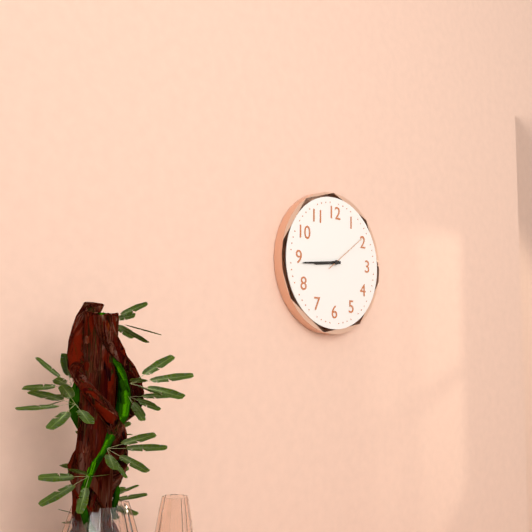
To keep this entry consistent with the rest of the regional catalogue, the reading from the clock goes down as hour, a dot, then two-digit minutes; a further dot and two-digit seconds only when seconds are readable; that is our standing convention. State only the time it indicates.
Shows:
8.44
